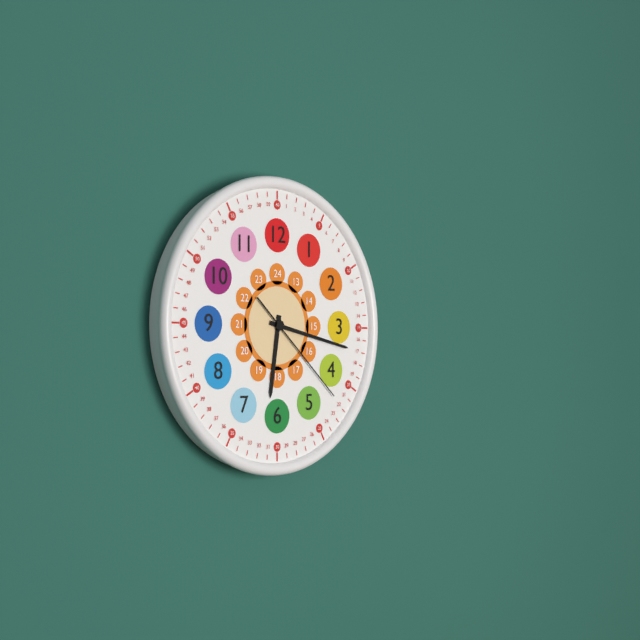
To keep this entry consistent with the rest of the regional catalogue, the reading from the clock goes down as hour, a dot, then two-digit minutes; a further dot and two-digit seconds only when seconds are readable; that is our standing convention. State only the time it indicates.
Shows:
6.17.22
